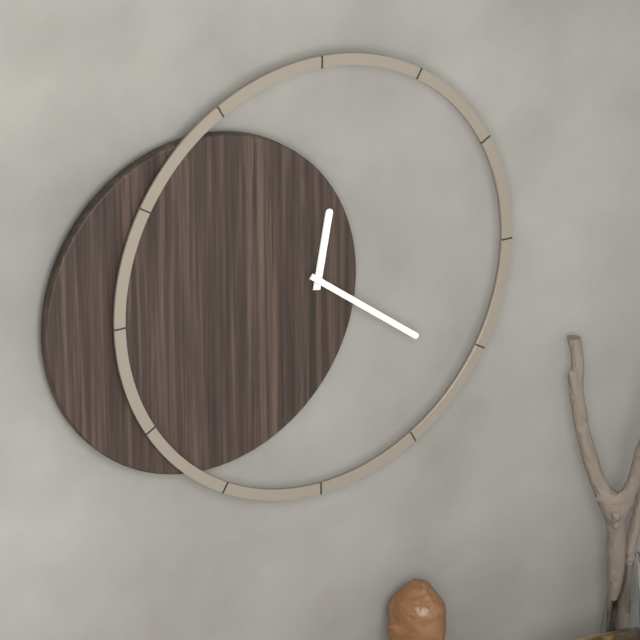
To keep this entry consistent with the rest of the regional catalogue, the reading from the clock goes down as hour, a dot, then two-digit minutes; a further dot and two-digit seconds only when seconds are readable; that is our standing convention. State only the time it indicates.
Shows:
12.21
